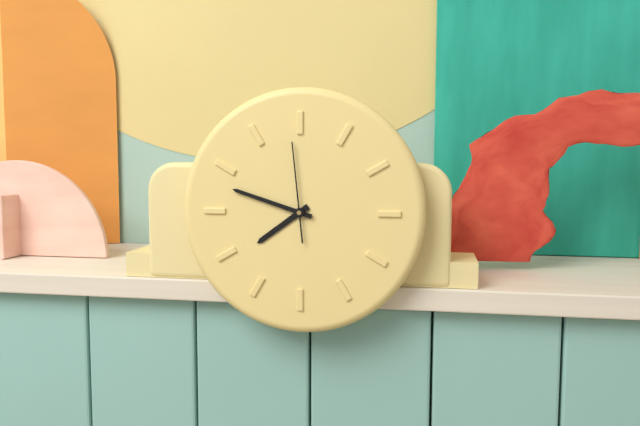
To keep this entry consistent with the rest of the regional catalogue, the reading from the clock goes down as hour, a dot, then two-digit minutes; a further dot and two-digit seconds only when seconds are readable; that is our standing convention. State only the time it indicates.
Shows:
7.48.59
